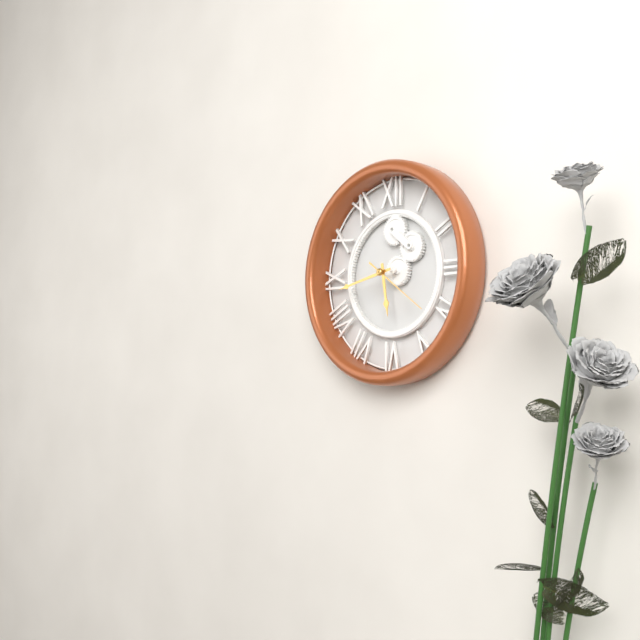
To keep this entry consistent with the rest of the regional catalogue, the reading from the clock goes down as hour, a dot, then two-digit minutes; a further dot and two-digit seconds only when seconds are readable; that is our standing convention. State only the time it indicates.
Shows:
5.43.21
